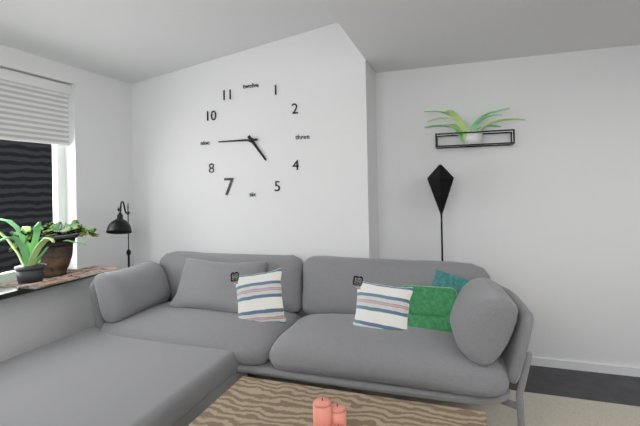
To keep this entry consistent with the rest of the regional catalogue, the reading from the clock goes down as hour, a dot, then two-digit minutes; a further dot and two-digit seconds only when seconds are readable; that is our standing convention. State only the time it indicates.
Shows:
4.45
